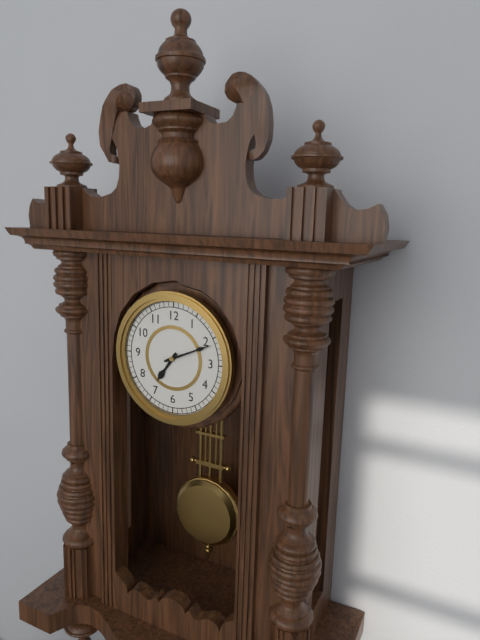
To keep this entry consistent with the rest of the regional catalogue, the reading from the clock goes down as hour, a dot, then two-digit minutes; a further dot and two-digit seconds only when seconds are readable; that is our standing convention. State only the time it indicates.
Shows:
7.11
